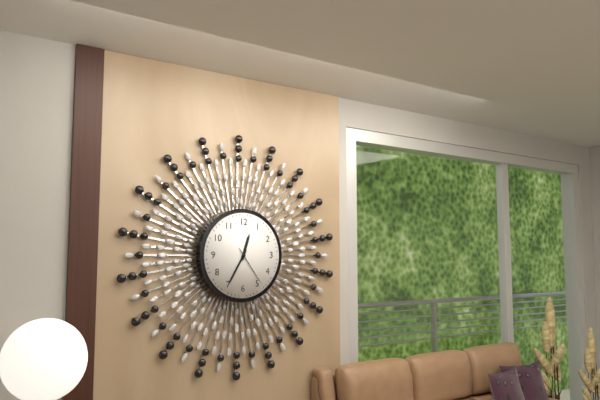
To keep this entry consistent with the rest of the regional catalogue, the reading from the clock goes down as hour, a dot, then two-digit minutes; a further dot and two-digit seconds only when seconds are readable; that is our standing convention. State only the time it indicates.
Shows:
12.35
